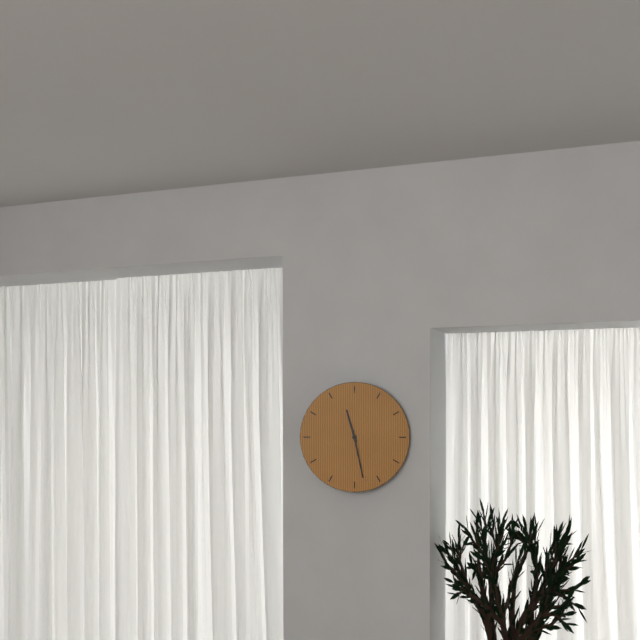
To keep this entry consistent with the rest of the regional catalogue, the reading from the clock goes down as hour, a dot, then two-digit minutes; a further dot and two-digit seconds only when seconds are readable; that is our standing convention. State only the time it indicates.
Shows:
11.28
